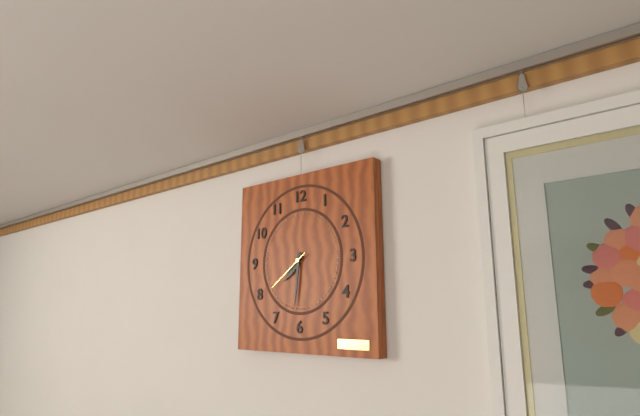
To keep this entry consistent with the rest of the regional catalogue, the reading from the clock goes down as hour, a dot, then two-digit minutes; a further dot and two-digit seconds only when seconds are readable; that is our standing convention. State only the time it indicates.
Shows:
7.31
